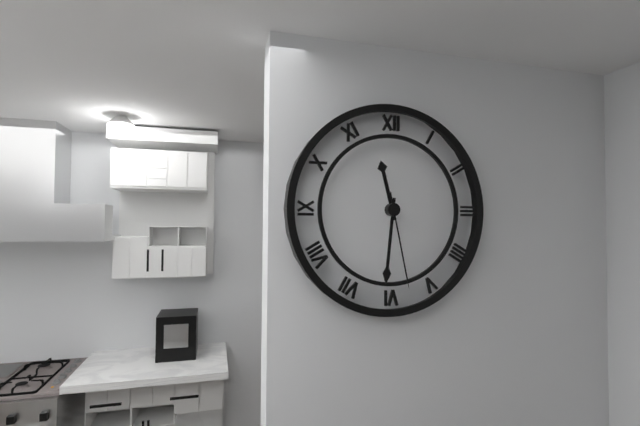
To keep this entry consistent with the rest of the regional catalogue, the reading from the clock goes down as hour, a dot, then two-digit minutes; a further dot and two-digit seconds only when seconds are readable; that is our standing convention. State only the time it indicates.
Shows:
11.31.28
